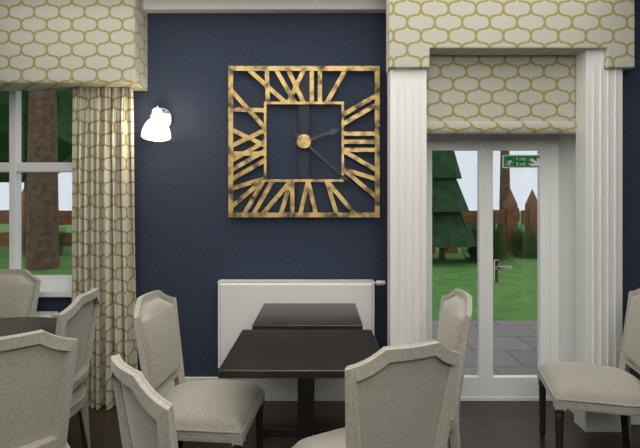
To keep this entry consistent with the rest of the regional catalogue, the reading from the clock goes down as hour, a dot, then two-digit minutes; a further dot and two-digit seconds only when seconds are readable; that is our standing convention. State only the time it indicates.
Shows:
2.22
